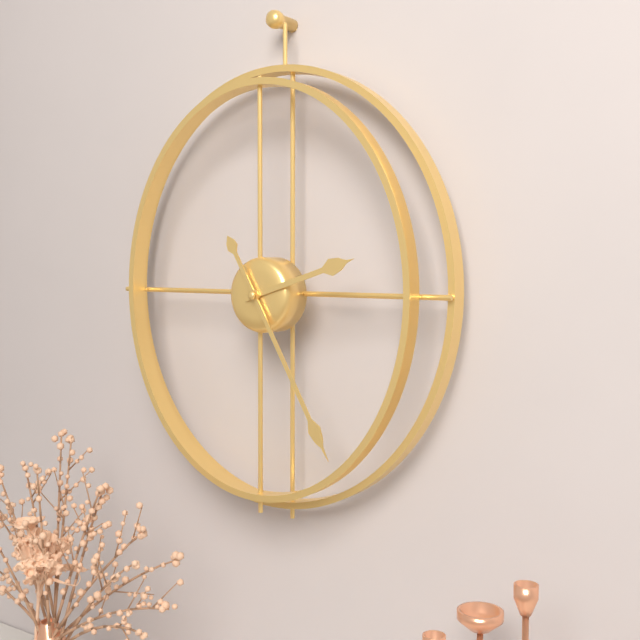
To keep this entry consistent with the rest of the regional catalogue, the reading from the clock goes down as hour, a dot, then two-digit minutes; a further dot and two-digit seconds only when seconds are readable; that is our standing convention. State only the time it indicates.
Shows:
2.25
